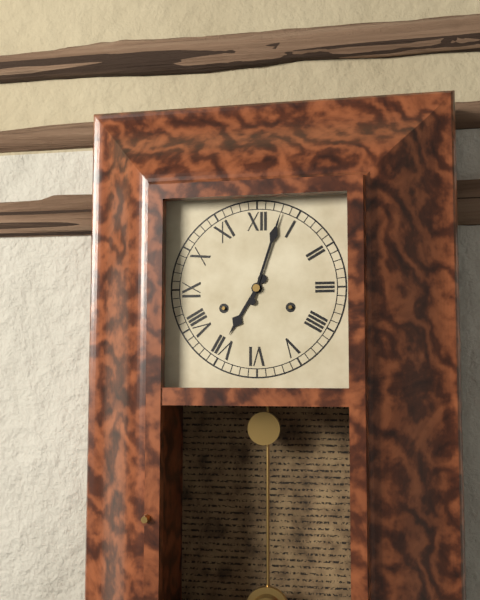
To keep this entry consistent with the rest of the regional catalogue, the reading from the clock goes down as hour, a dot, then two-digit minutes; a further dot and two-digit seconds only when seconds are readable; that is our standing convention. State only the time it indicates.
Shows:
7.03
